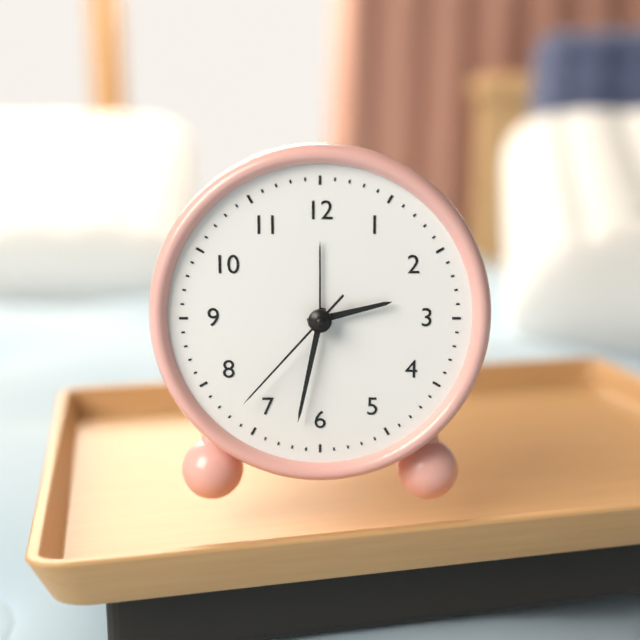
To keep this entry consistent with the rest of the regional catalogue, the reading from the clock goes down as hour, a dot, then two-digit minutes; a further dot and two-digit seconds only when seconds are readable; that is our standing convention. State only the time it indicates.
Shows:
2.32.37
